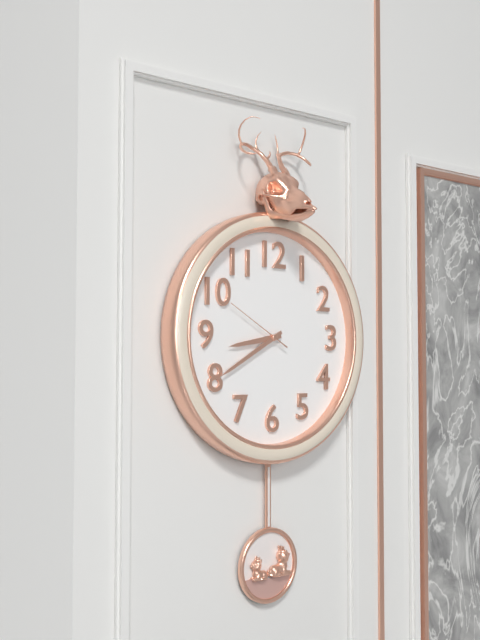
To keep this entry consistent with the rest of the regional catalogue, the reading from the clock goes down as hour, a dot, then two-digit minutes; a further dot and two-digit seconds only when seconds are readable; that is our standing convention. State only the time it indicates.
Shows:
8.40.50
